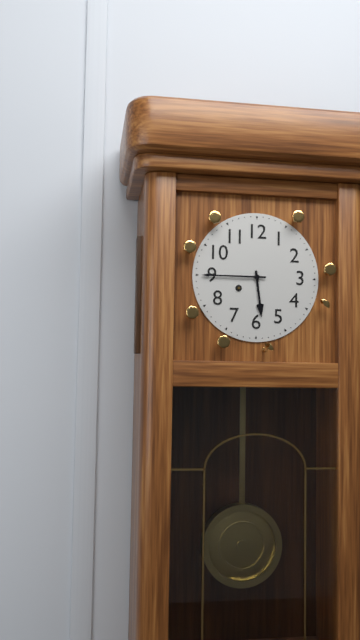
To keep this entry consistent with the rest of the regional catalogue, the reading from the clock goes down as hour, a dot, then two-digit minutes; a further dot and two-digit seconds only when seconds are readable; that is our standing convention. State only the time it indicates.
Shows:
5.45
